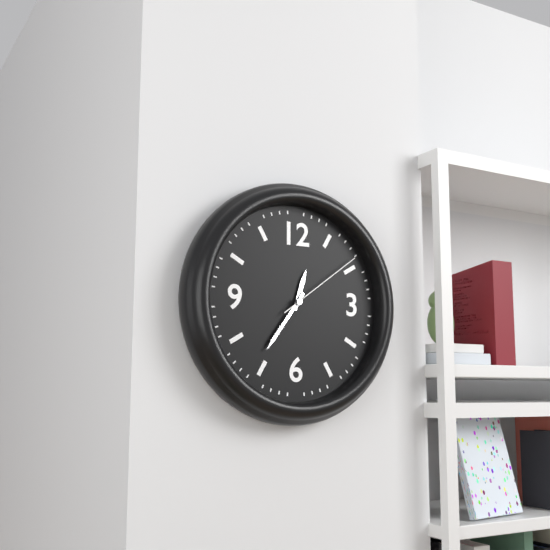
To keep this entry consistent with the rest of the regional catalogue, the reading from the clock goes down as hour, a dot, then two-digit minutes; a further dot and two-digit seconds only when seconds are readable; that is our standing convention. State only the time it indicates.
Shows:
12.36.09
